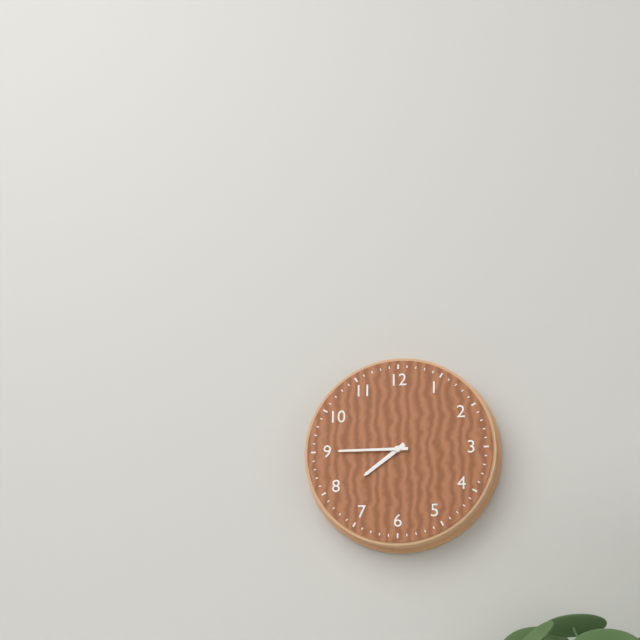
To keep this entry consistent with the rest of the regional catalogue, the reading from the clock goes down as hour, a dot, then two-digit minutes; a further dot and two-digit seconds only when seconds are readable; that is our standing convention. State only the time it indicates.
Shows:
7.45
